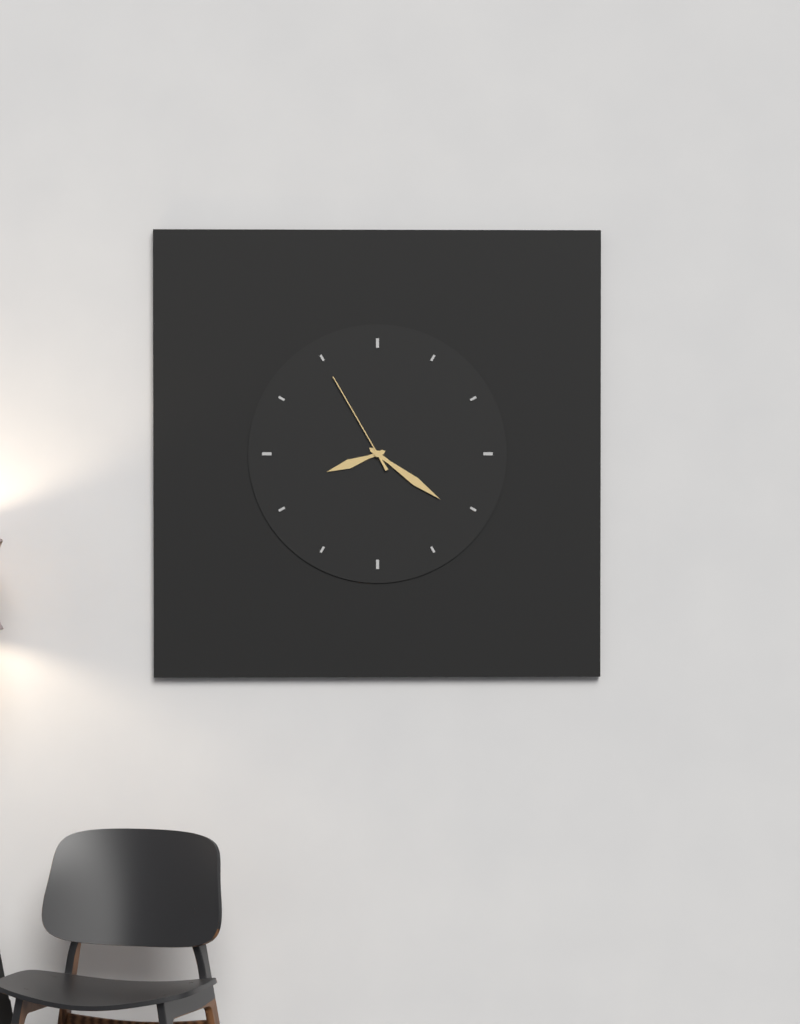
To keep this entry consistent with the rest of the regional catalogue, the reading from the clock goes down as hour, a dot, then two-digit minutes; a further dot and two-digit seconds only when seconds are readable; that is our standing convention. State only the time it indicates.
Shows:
8.21.55
